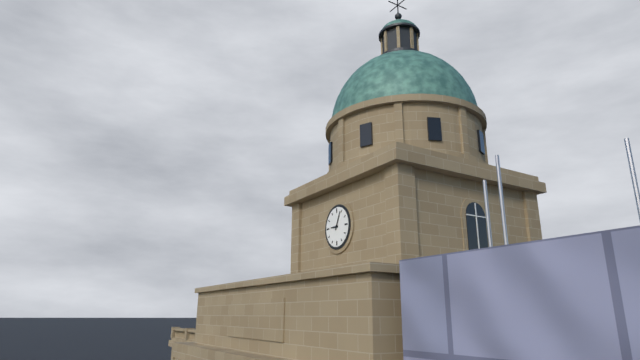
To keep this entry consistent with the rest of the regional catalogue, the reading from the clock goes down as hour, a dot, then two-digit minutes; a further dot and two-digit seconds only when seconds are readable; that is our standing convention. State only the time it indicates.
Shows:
9.04
